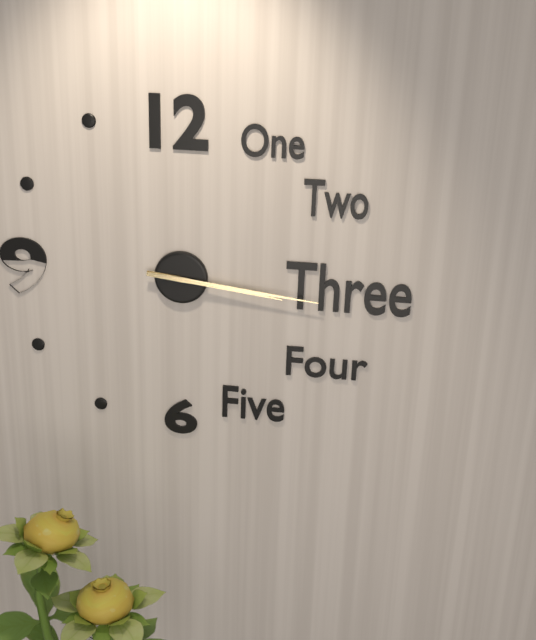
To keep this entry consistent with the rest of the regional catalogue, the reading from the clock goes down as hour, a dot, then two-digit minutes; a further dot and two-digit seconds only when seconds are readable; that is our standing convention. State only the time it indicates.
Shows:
3.16
